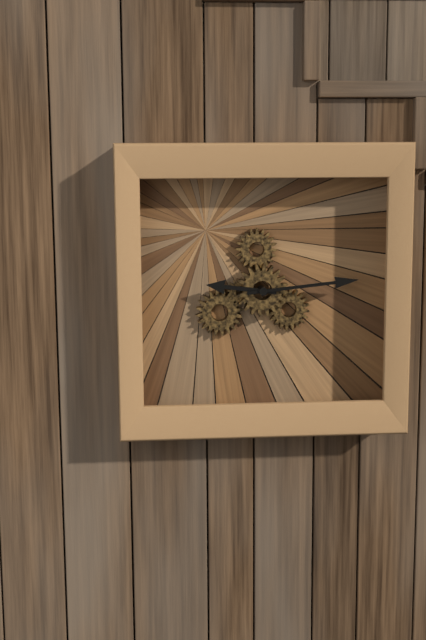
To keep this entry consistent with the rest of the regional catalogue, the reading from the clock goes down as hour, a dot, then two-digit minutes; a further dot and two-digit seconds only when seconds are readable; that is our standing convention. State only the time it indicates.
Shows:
9.14
